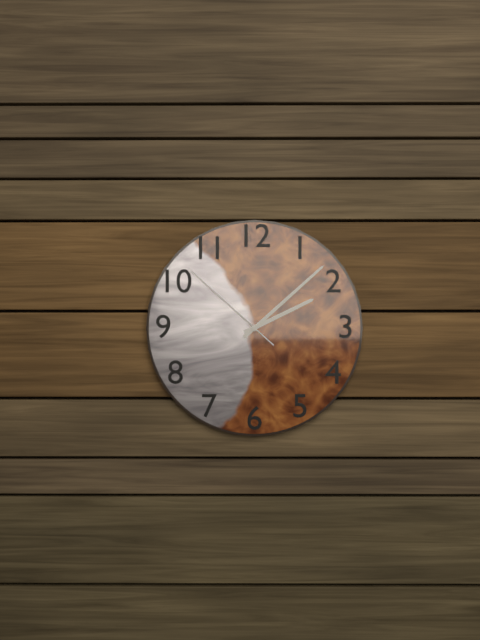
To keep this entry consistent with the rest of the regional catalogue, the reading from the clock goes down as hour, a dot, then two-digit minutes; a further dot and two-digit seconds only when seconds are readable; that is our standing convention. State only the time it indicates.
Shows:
2.08.52
